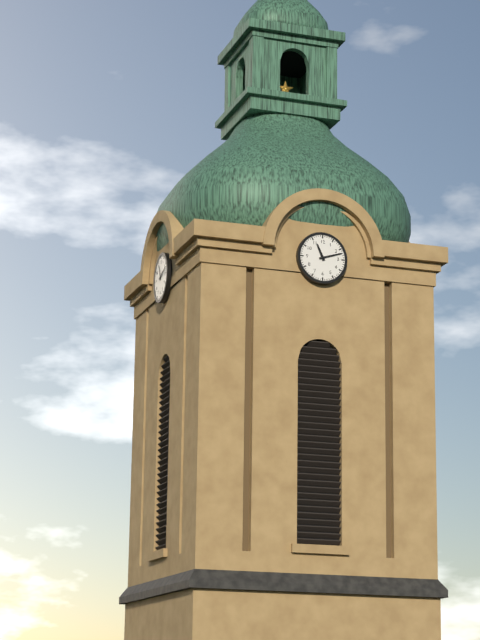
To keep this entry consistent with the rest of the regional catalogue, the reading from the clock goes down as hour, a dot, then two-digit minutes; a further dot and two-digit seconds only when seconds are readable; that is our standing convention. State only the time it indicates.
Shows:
11.12
